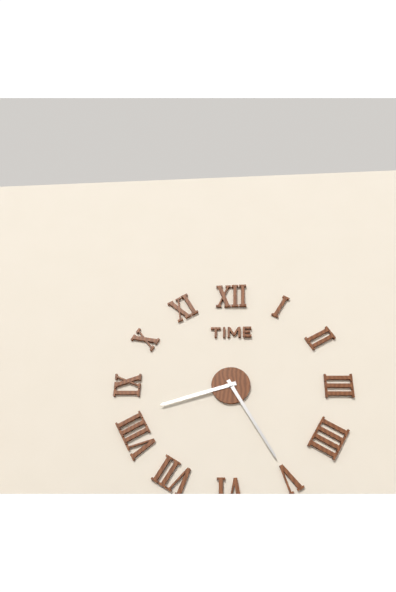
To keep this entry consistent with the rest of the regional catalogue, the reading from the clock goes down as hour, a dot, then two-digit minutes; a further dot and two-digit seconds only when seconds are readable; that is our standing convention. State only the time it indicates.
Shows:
8.25
